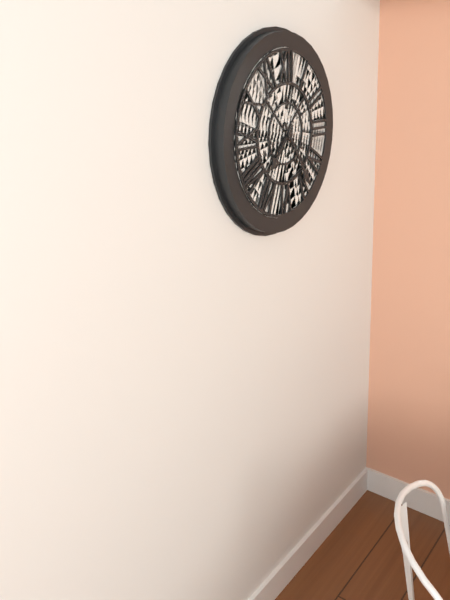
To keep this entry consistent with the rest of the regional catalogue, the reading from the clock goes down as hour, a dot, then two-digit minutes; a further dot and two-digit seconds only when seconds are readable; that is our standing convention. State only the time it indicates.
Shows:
7.24
